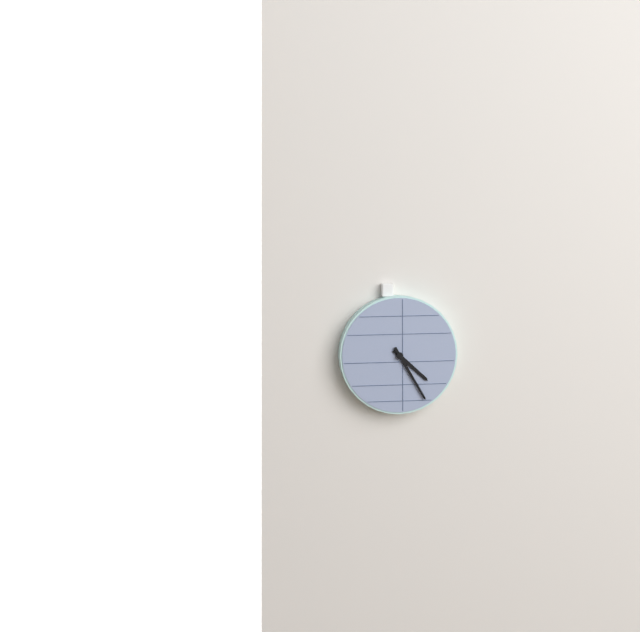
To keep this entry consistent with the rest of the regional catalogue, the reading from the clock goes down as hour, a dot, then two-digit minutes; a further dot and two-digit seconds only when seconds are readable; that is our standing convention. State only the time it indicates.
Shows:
4.25
